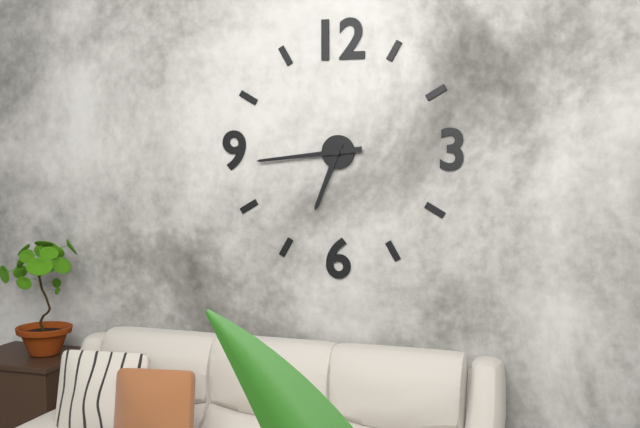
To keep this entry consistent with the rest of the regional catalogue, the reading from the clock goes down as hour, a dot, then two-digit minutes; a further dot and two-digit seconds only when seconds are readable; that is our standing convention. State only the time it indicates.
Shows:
6.44
